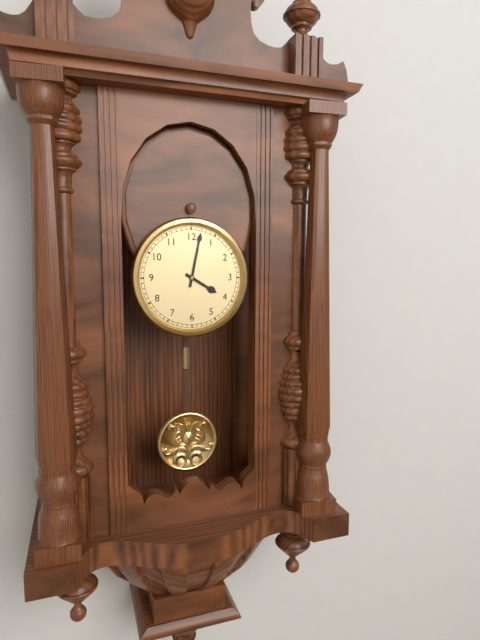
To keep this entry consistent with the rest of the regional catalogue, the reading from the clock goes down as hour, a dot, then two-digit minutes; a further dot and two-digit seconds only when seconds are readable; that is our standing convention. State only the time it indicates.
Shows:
4.02
